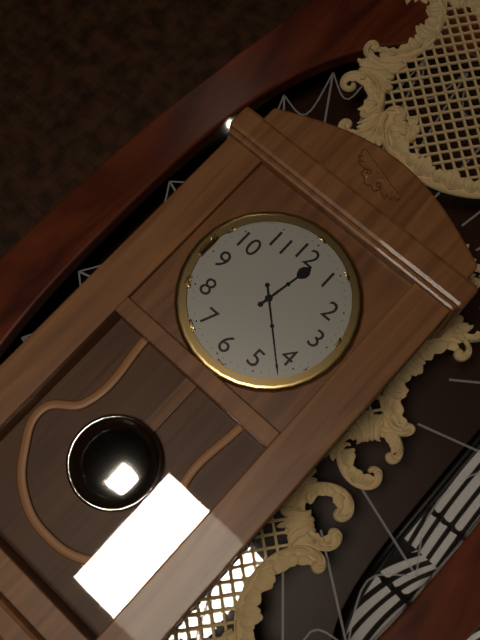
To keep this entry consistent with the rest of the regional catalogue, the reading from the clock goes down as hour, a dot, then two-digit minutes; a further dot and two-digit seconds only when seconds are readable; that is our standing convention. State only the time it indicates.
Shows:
12.22
